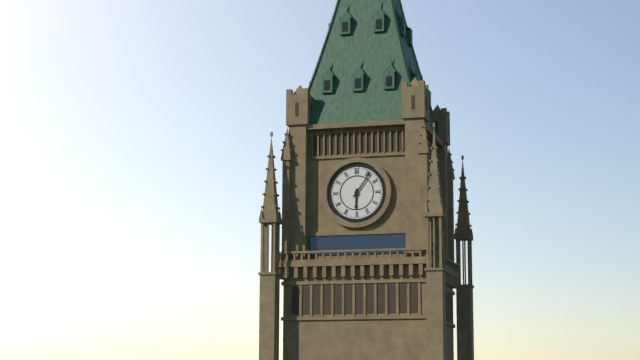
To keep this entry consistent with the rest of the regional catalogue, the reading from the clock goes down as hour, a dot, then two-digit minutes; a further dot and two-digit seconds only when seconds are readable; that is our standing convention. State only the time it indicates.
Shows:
6.06
